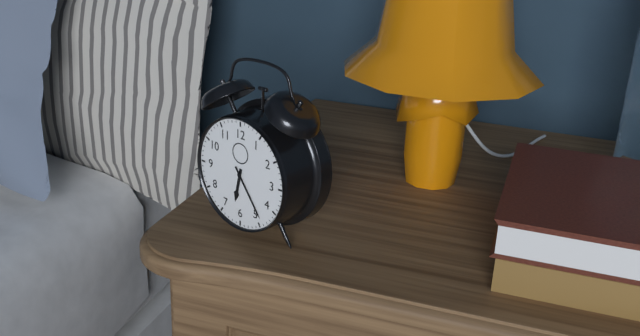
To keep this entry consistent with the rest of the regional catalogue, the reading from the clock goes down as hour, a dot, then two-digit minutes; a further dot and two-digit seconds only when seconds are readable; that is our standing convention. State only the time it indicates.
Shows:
6.24
